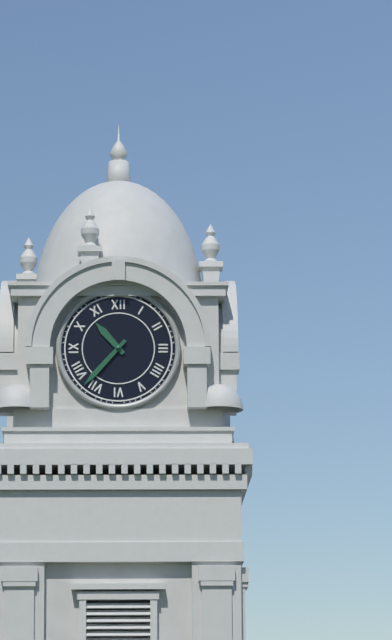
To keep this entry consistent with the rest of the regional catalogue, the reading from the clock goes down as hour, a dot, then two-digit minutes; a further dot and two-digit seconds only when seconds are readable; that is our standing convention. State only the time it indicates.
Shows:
10.37
